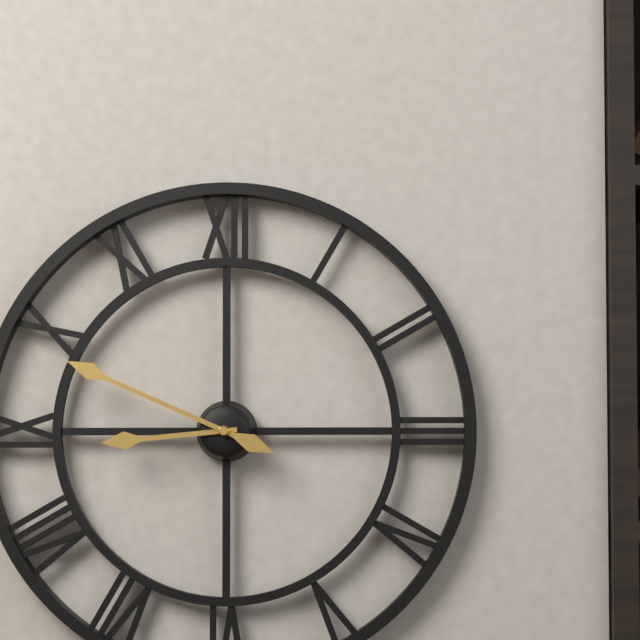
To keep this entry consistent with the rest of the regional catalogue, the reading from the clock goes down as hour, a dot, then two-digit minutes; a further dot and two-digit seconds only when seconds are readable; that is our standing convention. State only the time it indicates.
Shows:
8.49
